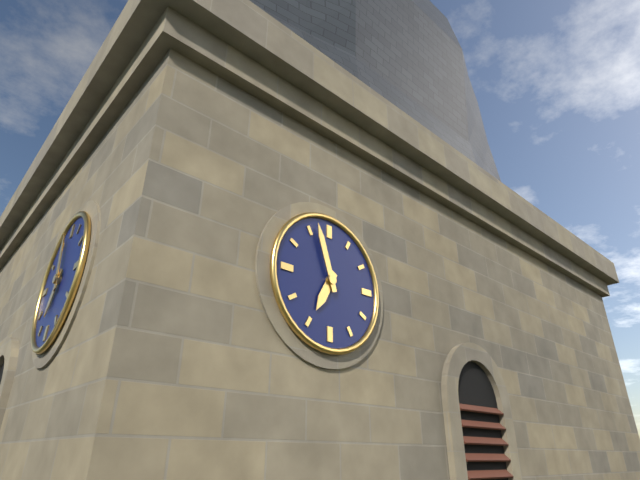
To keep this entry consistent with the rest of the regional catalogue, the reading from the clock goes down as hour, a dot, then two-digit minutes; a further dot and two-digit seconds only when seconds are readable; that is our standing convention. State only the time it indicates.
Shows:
6.57
